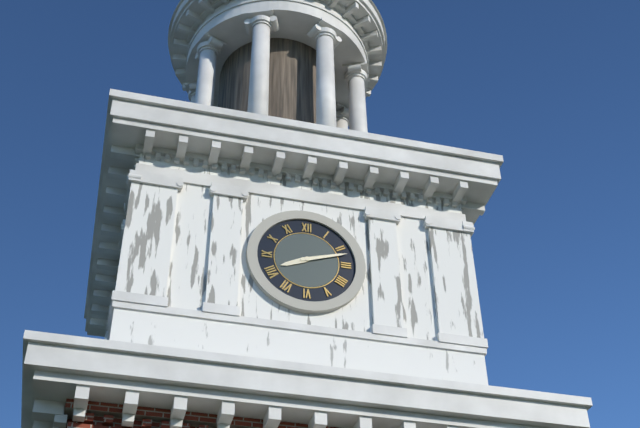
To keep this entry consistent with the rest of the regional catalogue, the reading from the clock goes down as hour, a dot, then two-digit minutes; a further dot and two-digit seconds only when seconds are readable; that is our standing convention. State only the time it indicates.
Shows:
8.12
